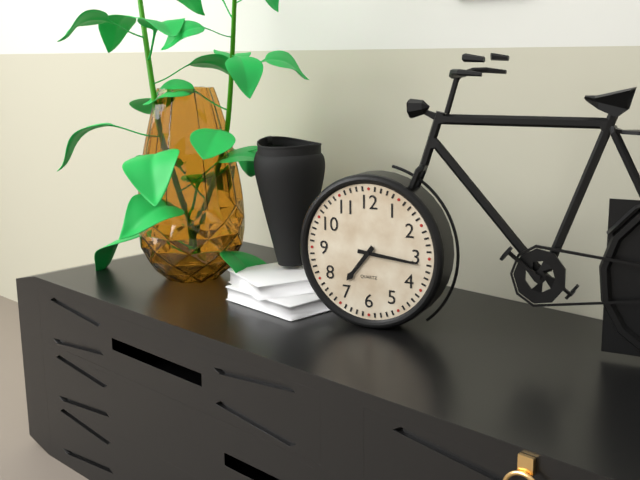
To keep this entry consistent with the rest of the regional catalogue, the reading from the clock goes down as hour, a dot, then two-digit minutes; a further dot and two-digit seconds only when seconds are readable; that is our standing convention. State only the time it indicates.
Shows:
7.16
